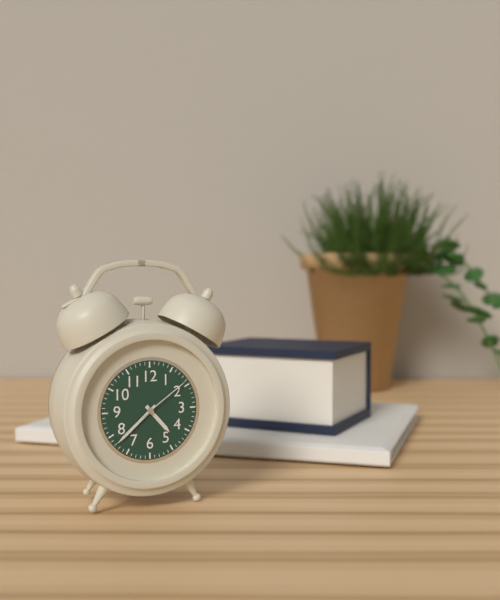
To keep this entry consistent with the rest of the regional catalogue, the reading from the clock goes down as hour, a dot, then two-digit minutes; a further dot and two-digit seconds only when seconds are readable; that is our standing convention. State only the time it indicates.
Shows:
4.38.09
